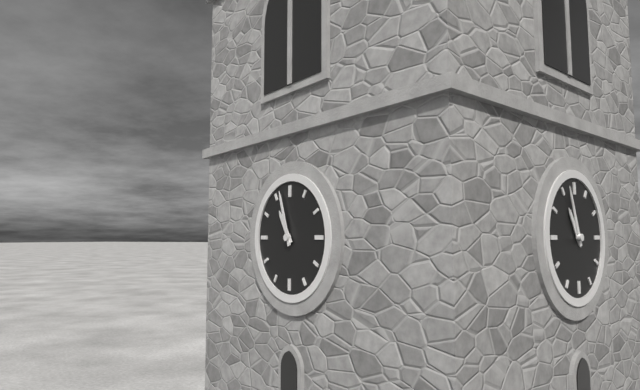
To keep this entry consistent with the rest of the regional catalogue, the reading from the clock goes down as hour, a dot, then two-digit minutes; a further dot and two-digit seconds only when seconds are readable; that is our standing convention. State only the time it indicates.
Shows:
10.57
